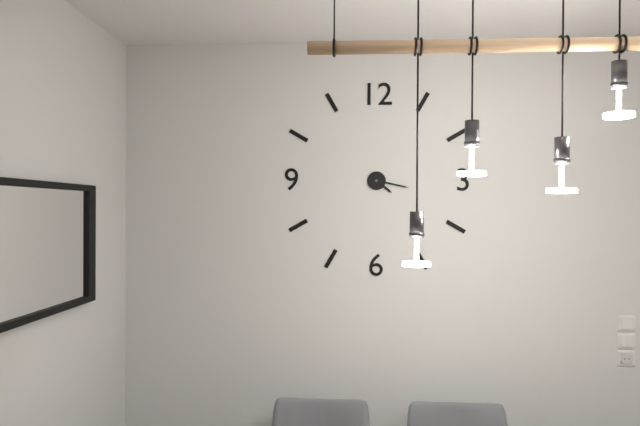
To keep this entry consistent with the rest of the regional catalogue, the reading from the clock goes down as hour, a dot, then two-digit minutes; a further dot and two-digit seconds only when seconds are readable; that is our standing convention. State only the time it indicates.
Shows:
4.17
